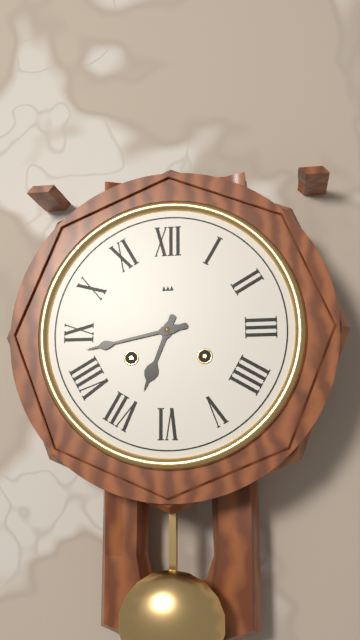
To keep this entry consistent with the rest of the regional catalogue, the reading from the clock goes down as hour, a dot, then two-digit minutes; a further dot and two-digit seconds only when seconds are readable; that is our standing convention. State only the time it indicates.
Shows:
6.43
